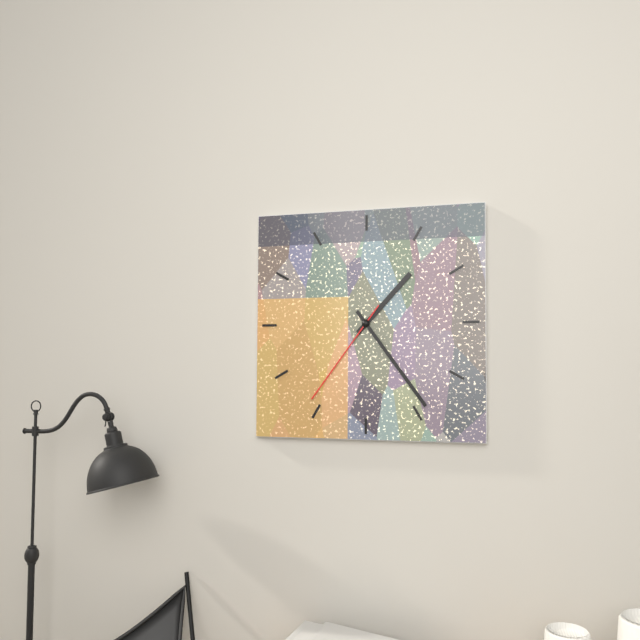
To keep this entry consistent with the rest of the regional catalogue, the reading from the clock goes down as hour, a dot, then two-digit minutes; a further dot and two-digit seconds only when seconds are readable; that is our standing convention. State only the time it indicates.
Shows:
1.24.36
